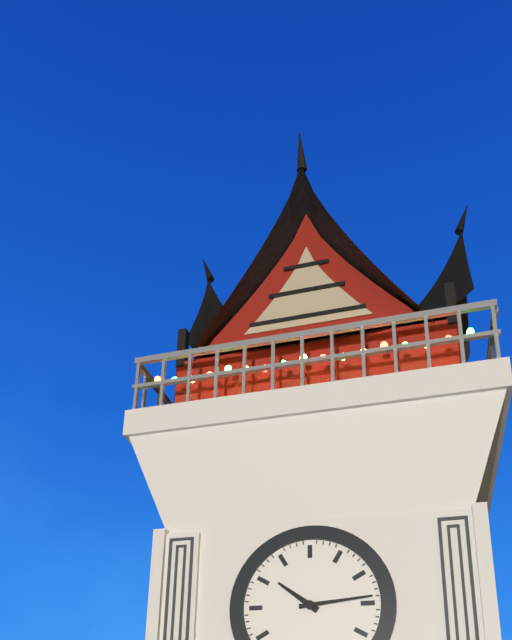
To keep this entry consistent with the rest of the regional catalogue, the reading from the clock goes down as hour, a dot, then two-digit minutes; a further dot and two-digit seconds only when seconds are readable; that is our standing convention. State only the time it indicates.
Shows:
10.14
